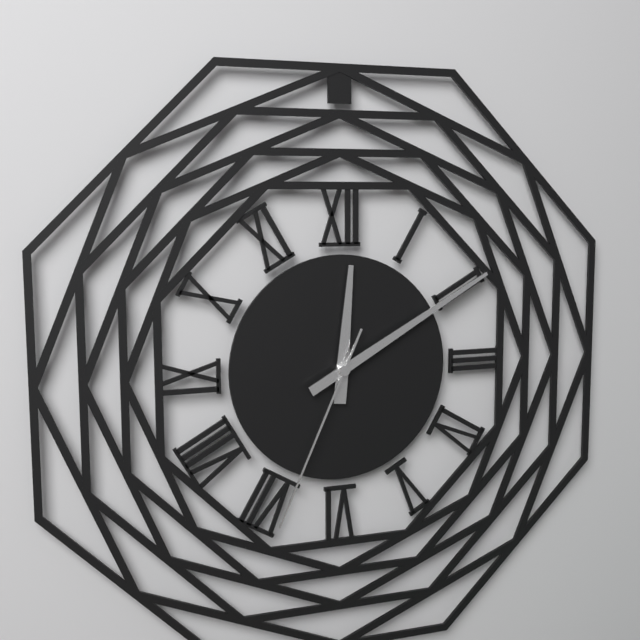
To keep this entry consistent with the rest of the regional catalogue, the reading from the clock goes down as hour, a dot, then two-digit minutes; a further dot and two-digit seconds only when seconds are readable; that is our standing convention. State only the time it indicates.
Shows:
12.10.34
